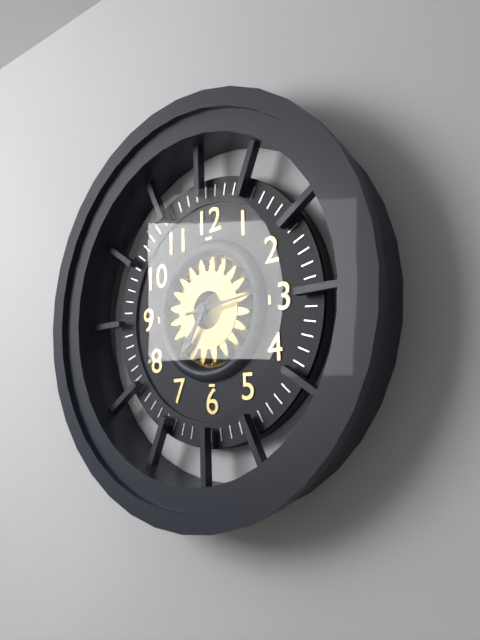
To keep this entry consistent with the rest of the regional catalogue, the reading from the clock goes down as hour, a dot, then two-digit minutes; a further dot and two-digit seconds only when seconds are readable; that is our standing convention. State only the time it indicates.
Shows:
7.14
